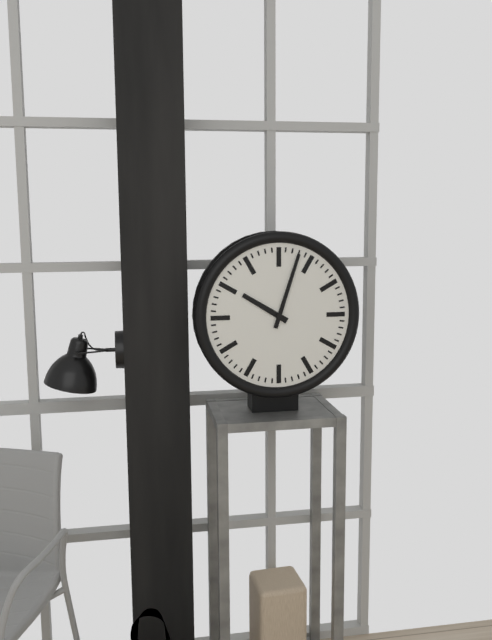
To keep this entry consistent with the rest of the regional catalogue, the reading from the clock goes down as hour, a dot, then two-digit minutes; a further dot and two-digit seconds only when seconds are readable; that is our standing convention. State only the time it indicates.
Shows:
10.03
